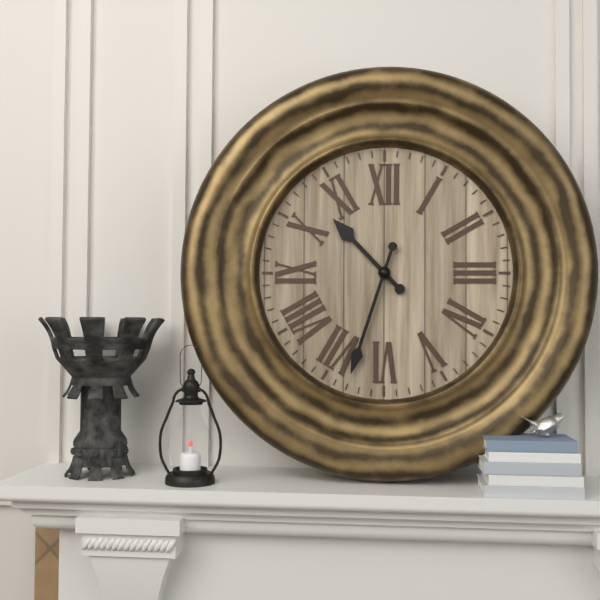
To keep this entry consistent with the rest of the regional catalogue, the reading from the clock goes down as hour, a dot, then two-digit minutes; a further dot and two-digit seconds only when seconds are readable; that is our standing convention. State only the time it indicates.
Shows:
10.33
